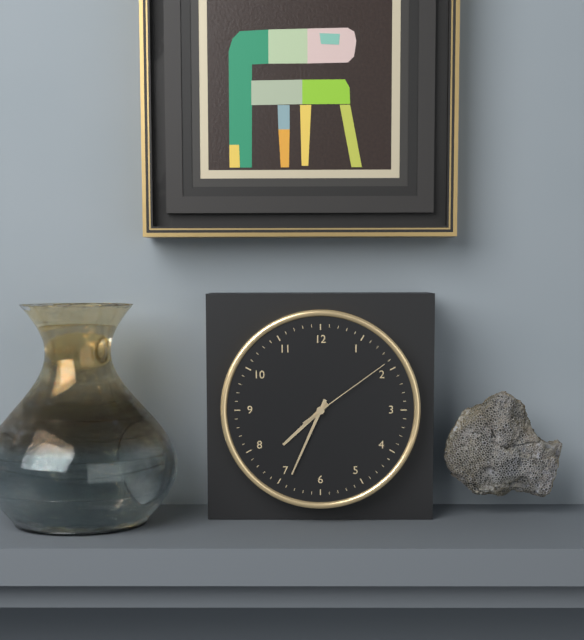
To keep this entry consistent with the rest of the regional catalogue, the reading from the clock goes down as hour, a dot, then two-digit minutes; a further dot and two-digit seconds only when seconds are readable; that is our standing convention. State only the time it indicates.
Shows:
7.34.09
